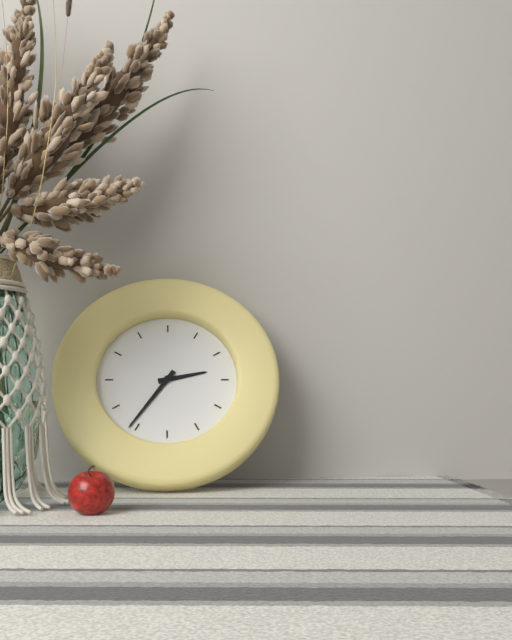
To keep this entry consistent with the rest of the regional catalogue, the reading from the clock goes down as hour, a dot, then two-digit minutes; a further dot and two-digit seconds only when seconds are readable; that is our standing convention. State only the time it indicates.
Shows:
2.36
